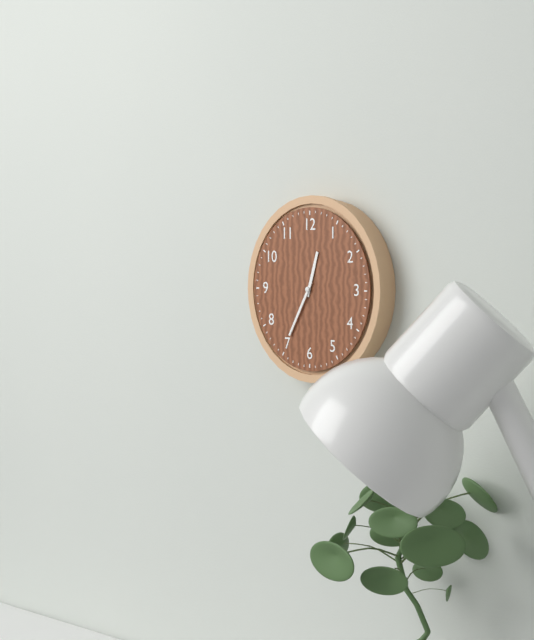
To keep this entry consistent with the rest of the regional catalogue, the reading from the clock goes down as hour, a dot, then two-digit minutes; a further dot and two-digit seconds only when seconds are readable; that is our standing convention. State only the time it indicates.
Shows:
12.35
